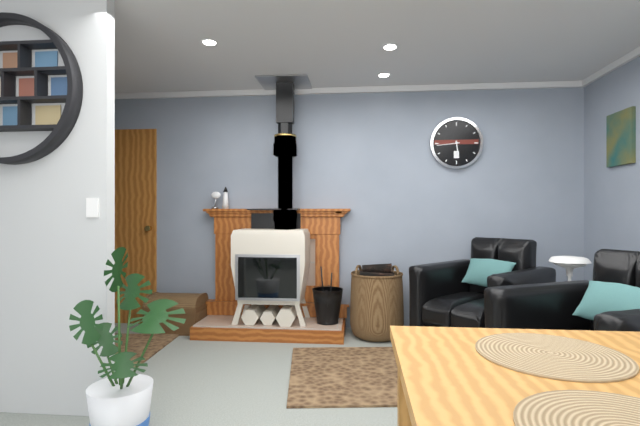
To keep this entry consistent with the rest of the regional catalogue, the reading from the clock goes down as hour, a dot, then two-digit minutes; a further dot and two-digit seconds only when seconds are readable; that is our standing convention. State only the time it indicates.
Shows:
5.44
